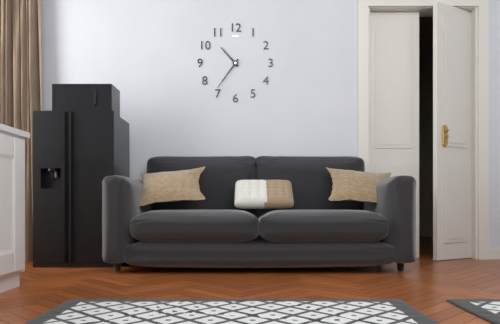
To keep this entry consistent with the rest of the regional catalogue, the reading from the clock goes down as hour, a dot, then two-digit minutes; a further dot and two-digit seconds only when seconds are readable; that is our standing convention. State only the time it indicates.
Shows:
10.36
